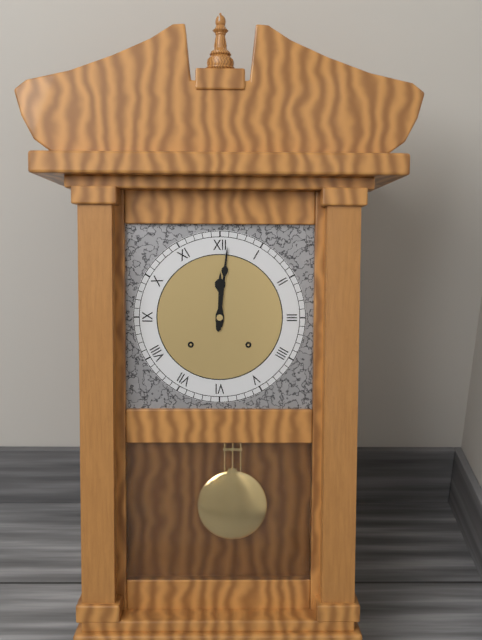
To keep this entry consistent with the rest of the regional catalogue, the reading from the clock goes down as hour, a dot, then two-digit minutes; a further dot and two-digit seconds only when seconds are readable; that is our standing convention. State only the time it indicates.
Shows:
12.01
